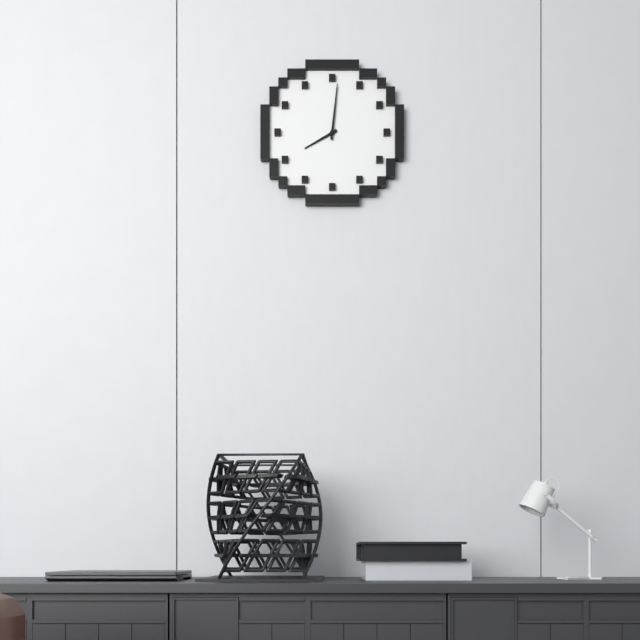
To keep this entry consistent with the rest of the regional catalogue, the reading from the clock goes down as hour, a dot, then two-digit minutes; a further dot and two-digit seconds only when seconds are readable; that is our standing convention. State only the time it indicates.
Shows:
8.01
